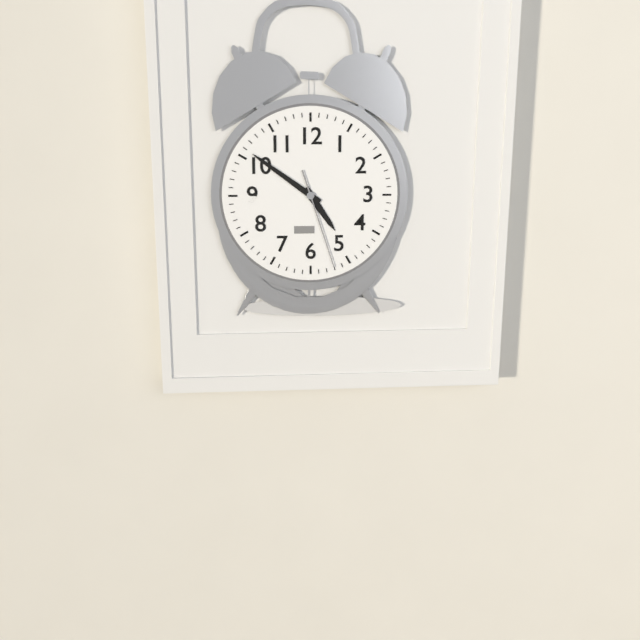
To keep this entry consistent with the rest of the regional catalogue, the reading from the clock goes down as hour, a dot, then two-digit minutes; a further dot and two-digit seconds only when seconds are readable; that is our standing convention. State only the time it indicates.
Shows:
4.51.27
